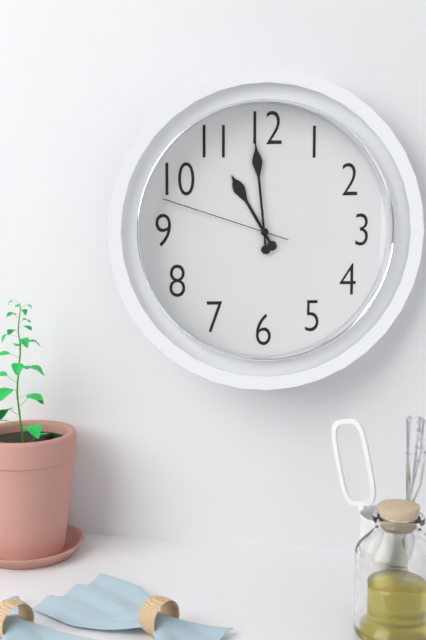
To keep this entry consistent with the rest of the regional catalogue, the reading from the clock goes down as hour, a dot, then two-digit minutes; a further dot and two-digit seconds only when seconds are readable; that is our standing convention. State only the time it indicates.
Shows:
10.59.48
